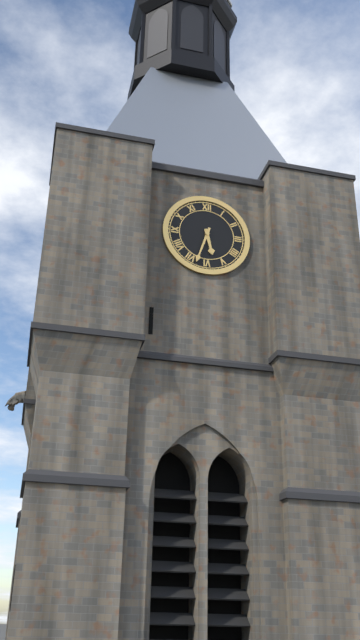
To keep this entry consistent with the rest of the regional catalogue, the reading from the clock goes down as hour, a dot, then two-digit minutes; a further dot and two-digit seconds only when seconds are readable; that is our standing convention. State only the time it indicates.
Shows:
5.33
